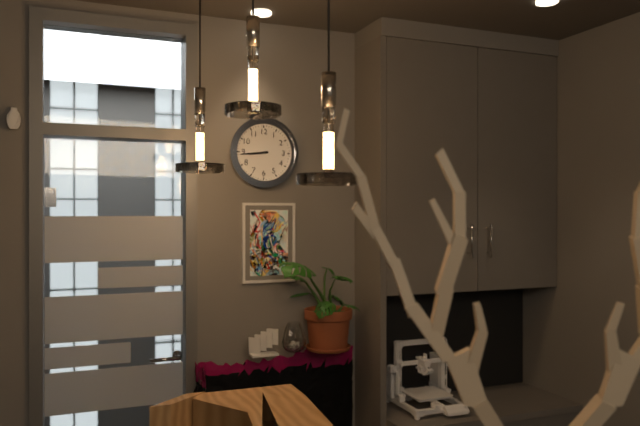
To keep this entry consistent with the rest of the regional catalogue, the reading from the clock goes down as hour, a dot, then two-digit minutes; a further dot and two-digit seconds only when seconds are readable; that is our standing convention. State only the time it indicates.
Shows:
8.44
